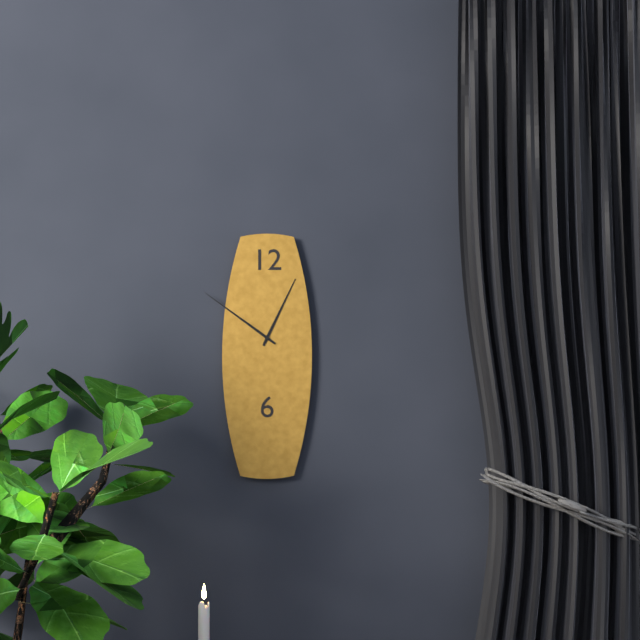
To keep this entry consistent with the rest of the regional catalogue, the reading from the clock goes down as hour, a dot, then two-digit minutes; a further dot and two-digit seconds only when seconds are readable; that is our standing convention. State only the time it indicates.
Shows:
12.51
